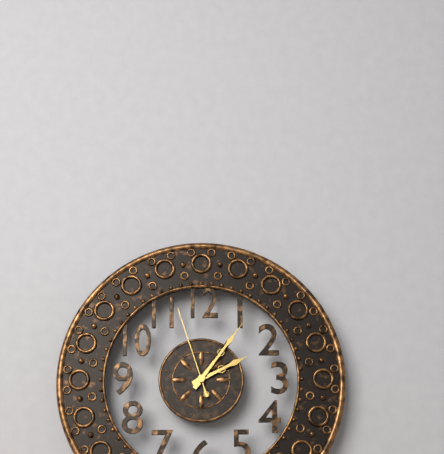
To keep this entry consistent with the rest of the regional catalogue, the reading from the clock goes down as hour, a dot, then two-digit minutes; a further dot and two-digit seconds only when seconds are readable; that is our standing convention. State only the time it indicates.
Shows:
2.06.57
